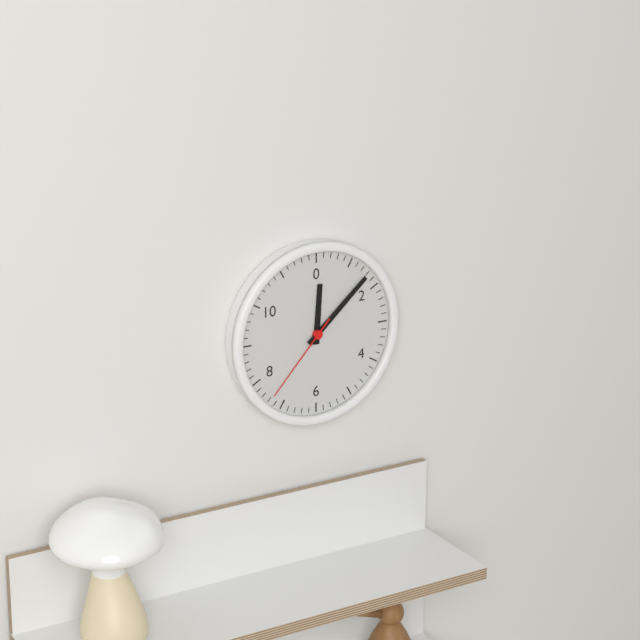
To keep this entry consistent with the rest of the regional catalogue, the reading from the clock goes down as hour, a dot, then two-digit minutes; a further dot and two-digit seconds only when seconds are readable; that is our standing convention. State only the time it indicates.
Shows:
12.08.37
